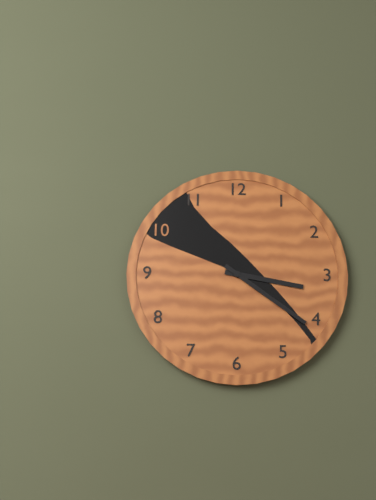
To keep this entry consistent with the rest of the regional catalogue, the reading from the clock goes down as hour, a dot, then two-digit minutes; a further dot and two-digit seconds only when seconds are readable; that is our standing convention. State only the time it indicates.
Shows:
3.21
